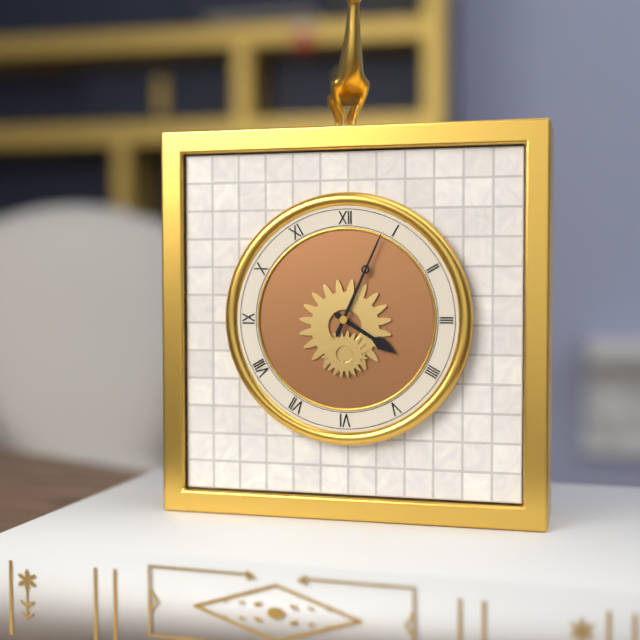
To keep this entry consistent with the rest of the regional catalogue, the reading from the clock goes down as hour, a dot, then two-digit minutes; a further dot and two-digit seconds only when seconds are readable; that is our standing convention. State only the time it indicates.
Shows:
4.04
